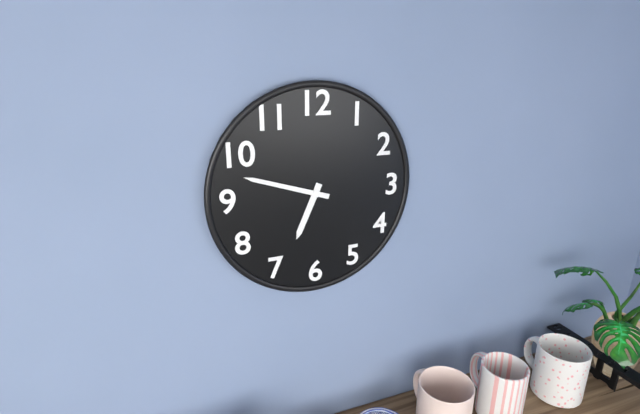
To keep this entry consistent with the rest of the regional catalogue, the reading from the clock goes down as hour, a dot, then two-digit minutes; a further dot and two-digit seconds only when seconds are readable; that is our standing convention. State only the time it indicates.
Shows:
6.48
